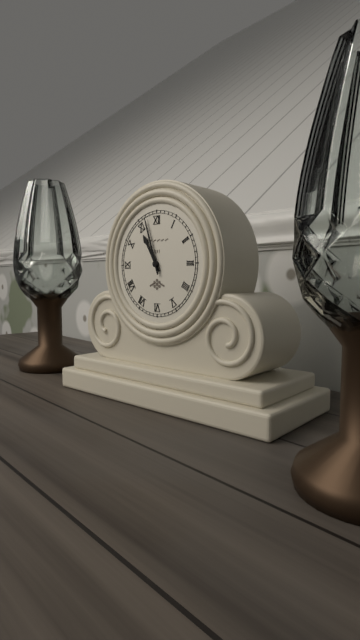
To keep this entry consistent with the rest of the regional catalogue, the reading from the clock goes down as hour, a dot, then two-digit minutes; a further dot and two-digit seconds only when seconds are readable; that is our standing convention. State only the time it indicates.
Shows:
10.57
